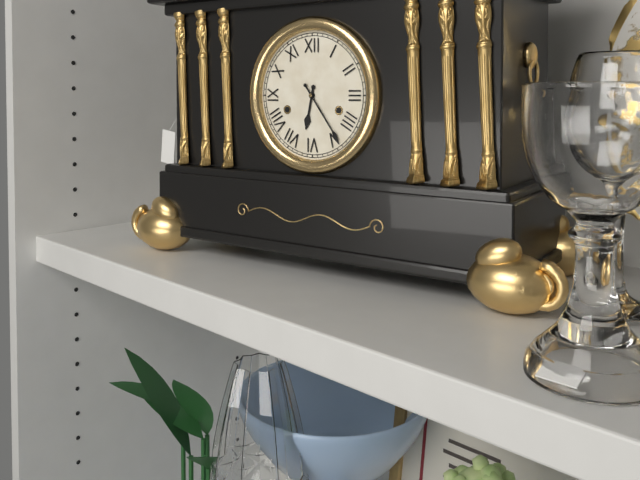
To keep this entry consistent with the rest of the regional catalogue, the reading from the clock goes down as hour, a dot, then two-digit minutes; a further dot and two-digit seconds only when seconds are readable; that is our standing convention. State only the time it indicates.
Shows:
6.24
